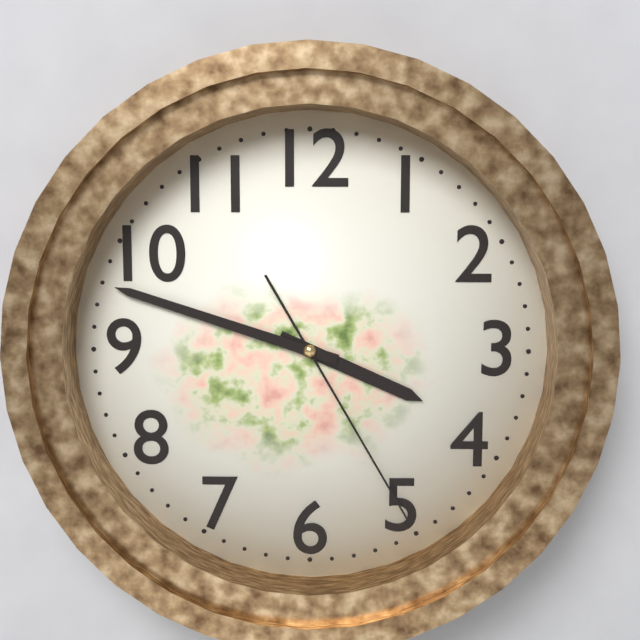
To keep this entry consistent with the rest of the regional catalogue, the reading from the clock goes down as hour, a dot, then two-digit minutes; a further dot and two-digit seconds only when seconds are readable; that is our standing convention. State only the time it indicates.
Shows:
3.48.25
